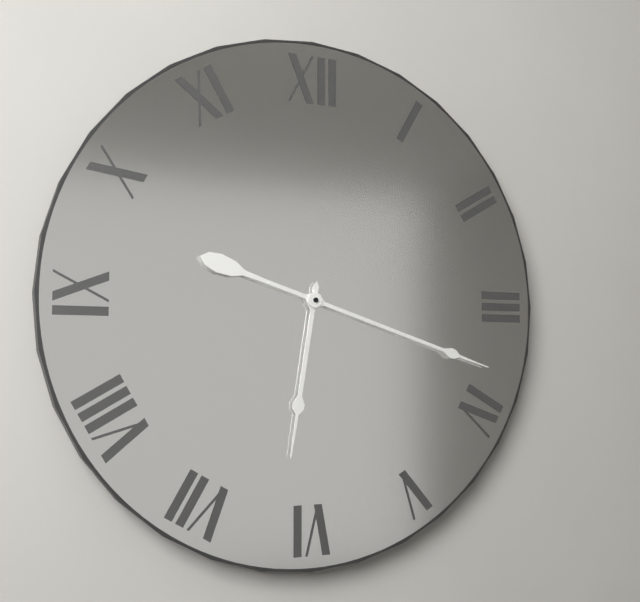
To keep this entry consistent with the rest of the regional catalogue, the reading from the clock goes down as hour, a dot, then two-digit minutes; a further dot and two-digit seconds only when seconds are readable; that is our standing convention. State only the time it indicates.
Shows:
6.18
